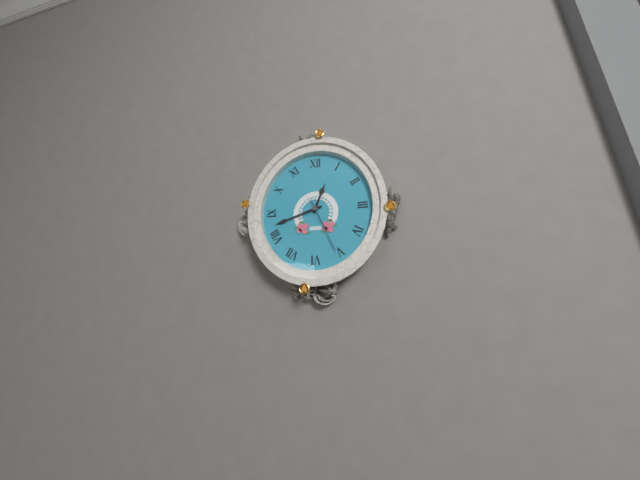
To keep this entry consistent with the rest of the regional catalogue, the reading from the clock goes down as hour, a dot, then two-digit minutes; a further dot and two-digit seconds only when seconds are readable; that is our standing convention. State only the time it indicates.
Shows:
12.42.26
